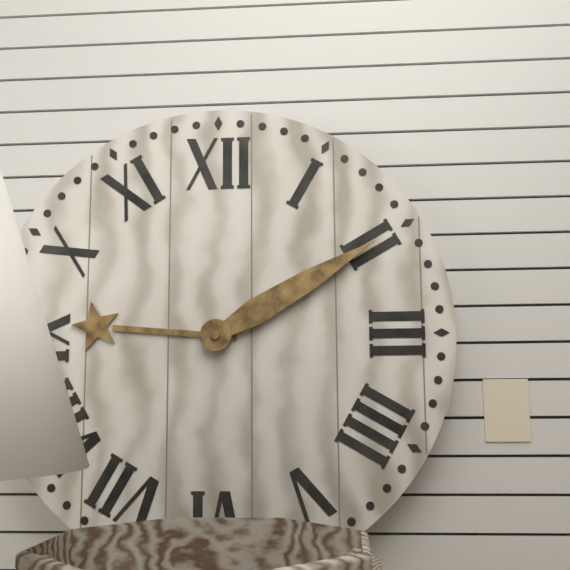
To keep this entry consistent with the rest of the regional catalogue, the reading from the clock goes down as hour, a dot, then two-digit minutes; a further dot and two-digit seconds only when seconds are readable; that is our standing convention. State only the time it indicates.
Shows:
9.10
